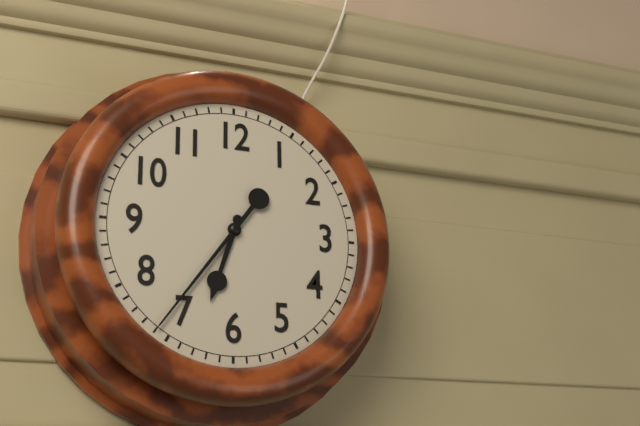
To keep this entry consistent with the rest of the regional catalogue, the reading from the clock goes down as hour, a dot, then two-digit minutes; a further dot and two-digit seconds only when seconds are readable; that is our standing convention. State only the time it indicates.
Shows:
6.36
